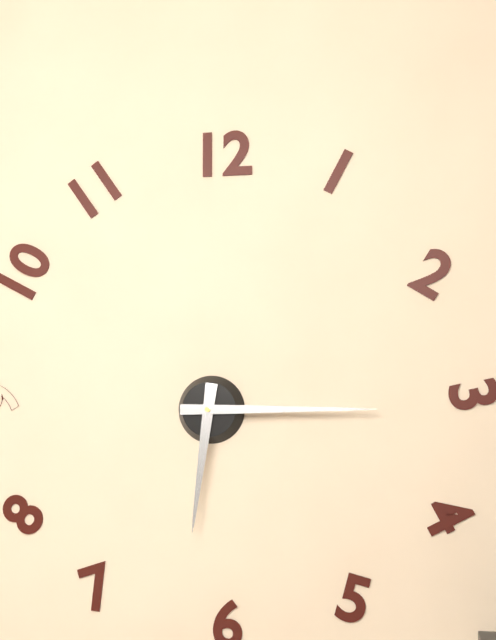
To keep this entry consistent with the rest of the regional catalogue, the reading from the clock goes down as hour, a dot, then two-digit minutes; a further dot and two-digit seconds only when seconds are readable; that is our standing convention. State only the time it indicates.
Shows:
6.15
